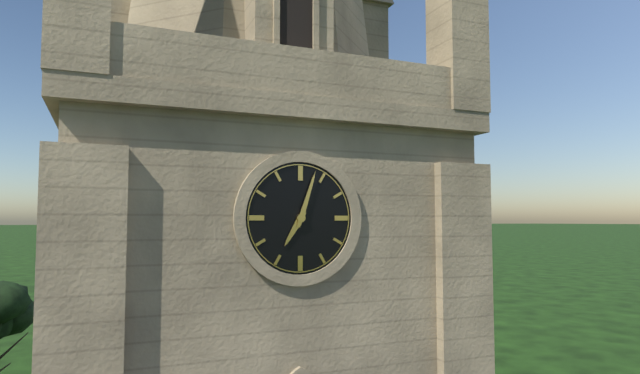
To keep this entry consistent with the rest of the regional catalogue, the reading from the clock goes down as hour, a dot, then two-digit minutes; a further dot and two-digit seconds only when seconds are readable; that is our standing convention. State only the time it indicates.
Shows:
7.03
